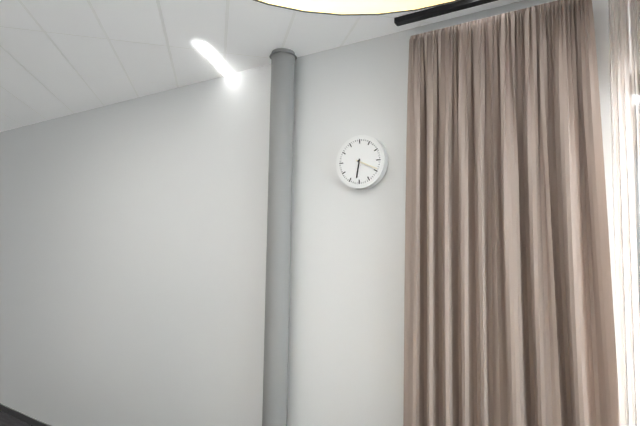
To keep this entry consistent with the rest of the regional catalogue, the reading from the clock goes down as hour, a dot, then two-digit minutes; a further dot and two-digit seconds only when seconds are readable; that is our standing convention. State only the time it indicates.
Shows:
6.19
